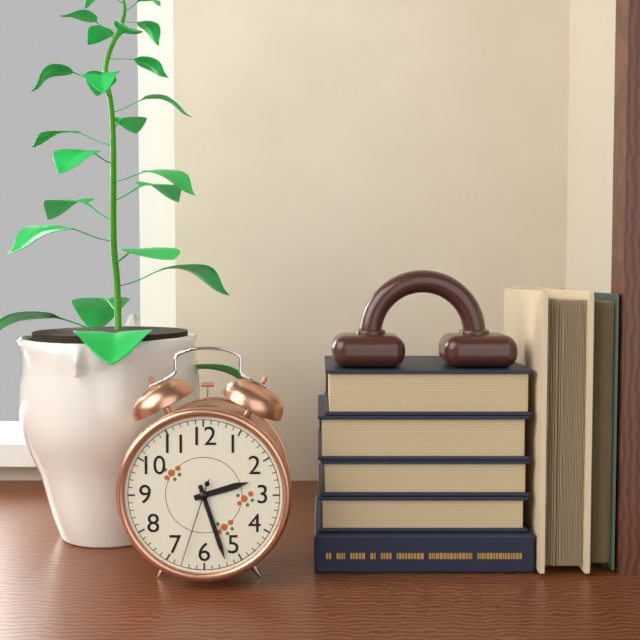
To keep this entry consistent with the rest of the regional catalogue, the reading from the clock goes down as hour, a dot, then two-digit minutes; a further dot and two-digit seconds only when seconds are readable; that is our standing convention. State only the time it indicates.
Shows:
2.27.33
